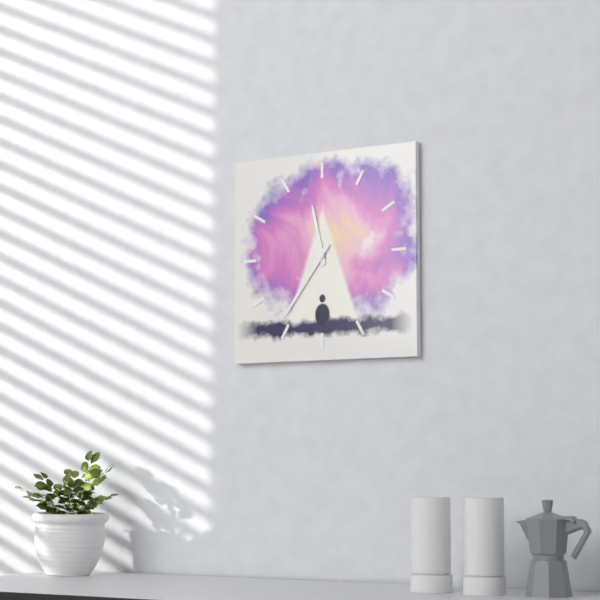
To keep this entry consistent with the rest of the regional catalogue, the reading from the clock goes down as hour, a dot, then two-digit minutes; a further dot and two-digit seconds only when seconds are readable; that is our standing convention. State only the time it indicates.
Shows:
11.36
